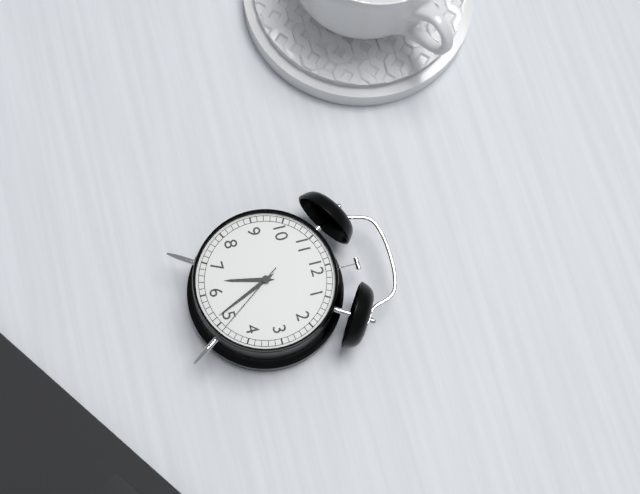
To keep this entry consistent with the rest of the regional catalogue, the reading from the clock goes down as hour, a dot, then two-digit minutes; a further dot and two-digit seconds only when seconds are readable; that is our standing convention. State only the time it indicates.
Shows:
6.26.24
